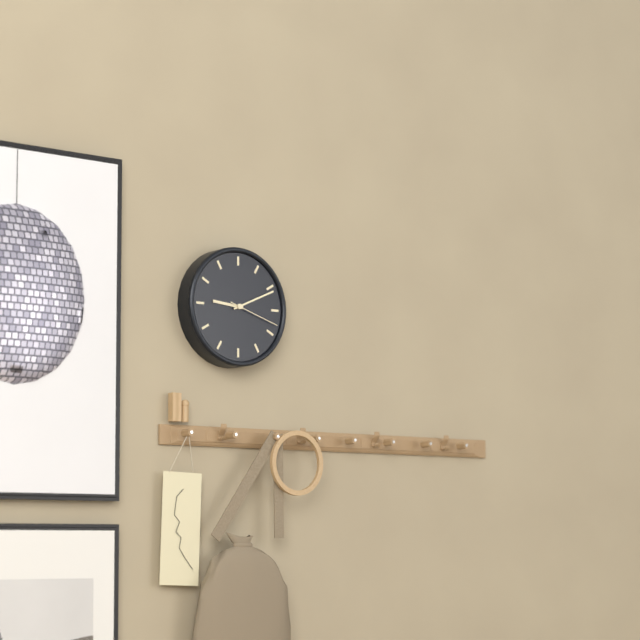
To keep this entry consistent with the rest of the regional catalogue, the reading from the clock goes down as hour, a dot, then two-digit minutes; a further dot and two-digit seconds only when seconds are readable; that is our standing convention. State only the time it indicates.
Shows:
9.11.18
